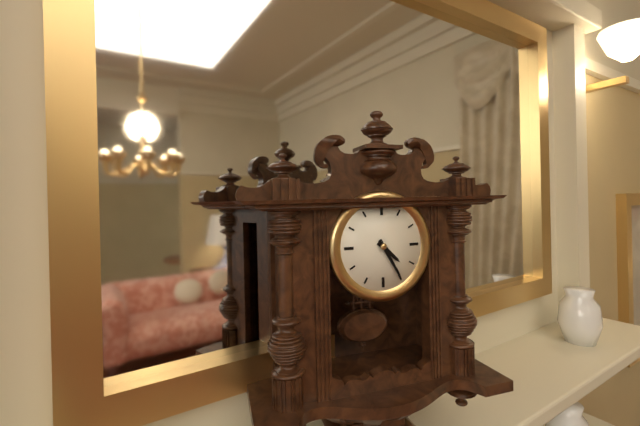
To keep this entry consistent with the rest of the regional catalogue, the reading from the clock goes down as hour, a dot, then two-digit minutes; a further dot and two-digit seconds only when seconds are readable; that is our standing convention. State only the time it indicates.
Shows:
4.25
